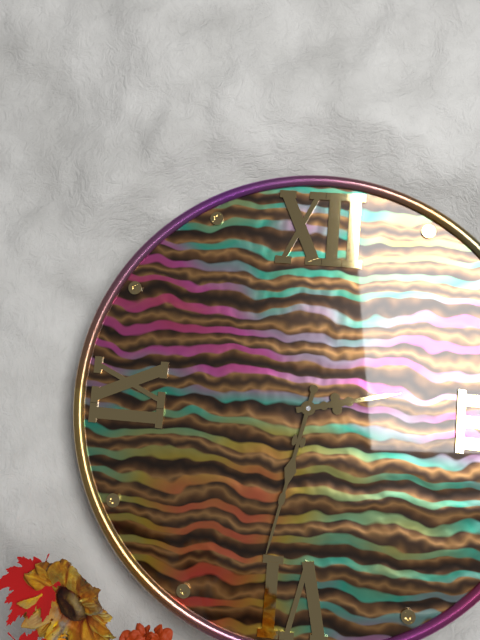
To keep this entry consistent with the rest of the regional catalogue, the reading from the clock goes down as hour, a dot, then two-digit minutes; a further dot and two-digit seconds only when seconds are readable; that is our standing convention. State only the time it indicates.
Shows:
2.32
